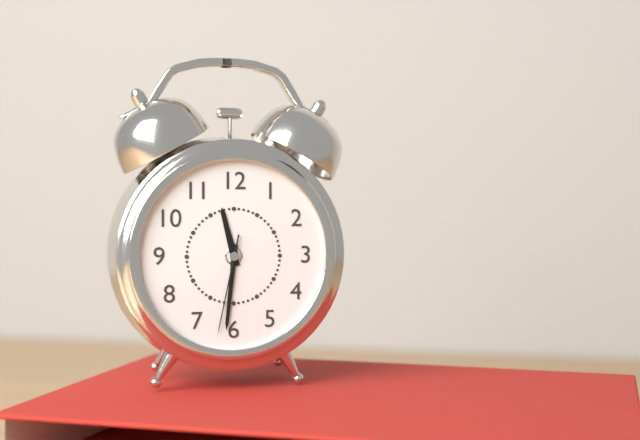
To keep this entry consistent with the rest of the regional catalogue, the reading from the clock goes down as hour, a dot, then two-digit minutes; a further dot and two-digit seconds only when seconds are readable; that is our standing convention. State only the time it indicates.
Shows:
11.31.32
